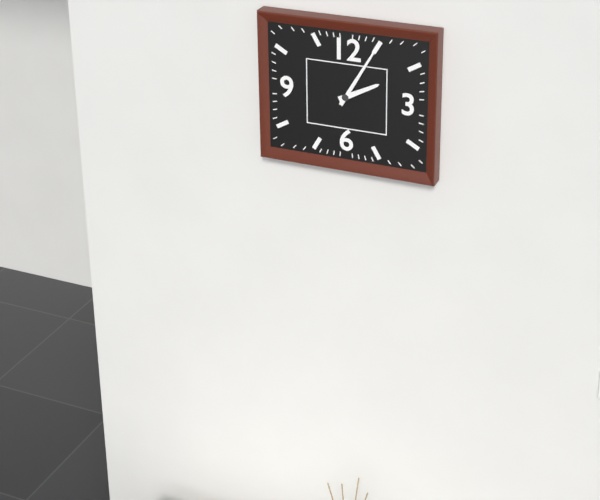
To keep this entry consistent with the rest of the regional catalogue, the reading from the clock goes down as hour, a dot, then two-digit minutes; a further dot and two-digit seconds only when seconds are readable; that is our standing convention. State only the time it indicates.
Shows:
2.05
